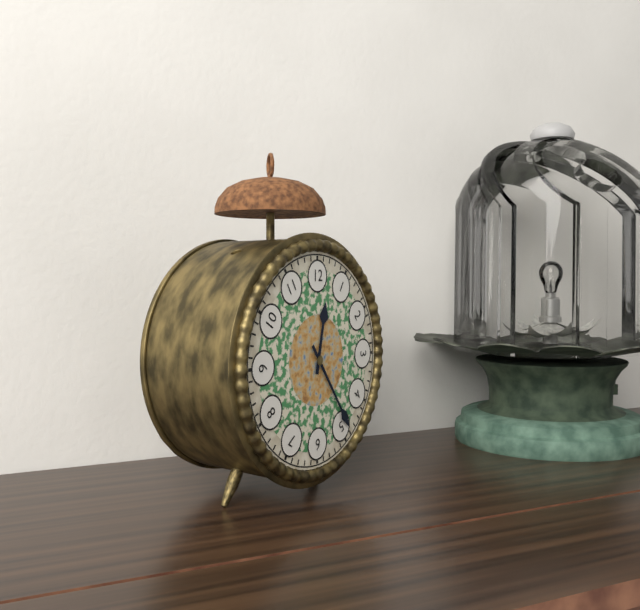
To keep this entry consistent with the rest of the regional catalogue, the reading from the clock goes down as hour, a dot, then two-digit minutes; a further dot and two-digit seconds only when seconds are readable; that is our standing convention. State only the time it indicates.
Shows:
12.24
